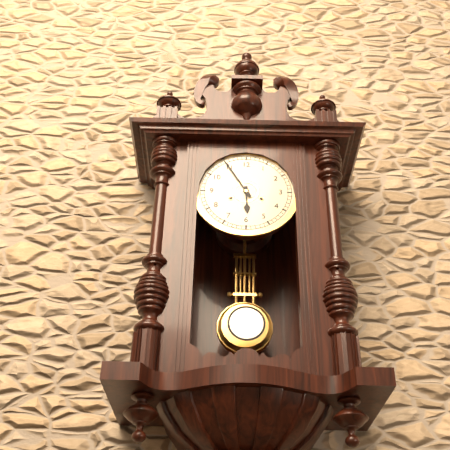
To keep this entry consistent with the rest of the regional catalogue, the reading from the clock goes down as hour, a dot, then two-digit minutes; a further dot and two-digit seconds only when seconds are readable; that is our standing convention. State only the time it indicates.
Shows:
5.55
